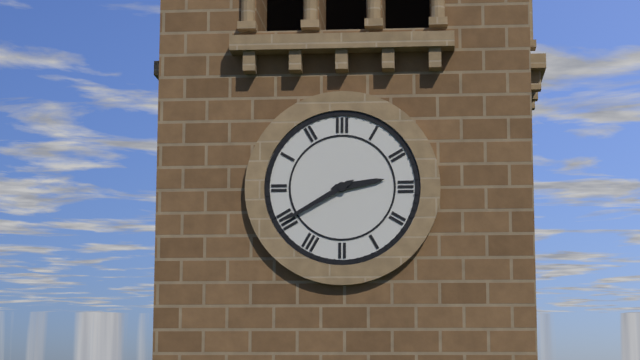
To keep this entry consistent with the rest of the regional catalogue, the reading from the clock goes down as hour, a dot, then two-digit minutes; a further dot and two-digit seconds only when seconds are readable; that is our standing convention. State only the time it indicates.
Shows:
2.40
